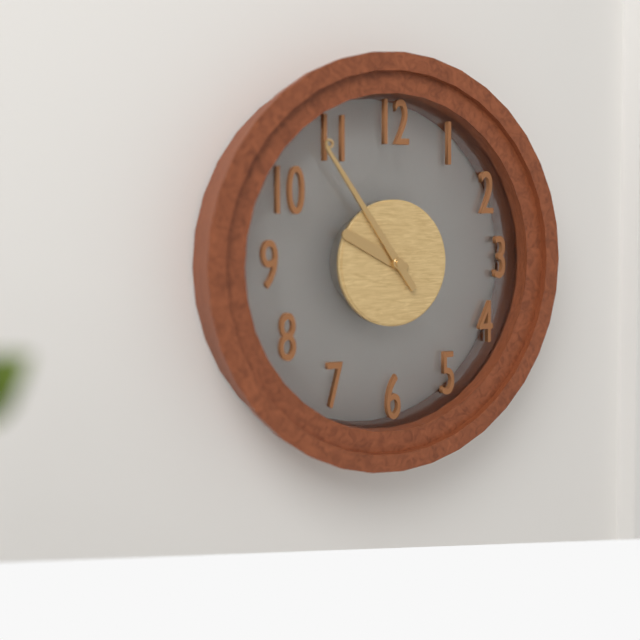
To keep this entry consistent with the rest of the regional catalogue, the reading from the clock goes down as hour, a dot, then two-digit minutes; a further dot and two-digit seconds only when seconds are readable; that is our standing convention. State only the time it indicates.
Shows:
9.54
